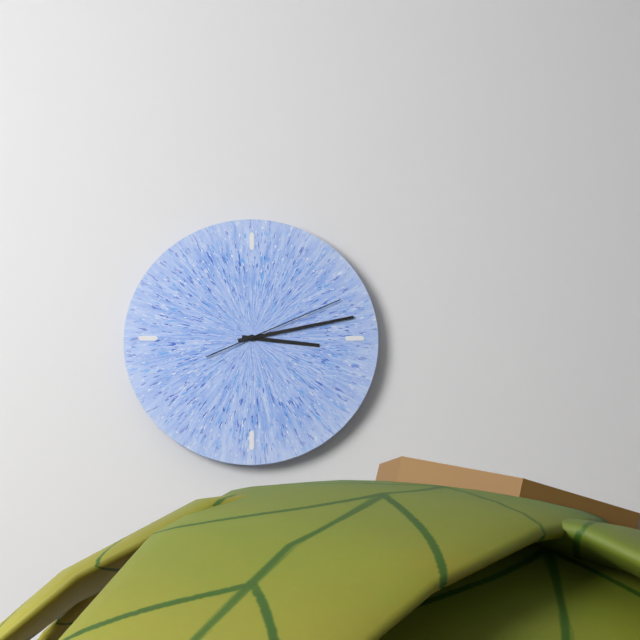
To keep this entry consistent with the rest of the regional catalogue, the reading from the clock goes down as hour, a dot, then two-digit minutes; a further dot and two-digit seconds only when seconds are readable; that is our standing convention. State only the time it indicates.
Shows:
3.13.11
